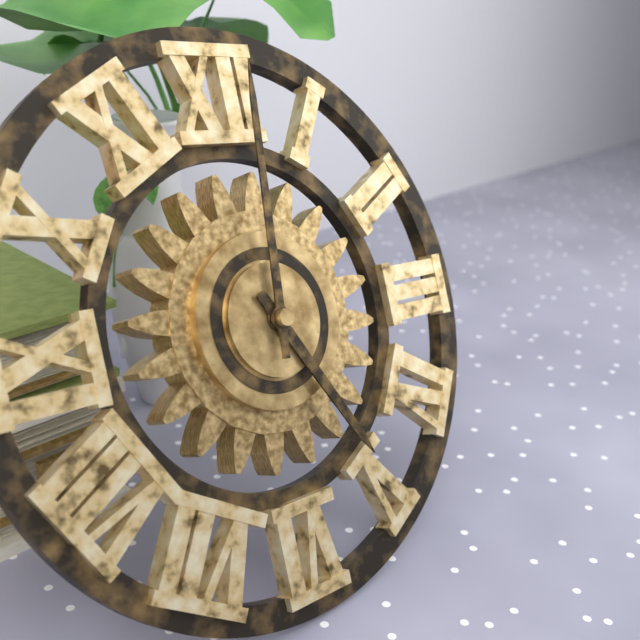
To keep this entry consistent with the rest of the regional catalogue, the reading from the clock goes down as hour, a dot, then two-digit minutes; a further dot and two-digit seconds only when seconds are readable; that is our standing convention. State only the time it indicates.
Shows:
5.01
